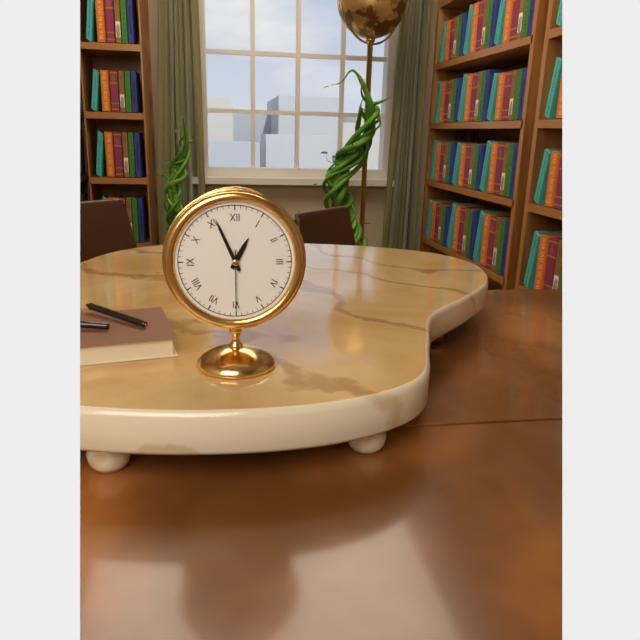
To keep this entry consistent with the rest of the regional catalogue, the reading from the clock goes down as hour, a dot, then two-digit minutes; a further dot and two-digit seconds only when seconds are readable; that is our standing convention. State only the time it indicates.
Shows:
12.56.30
